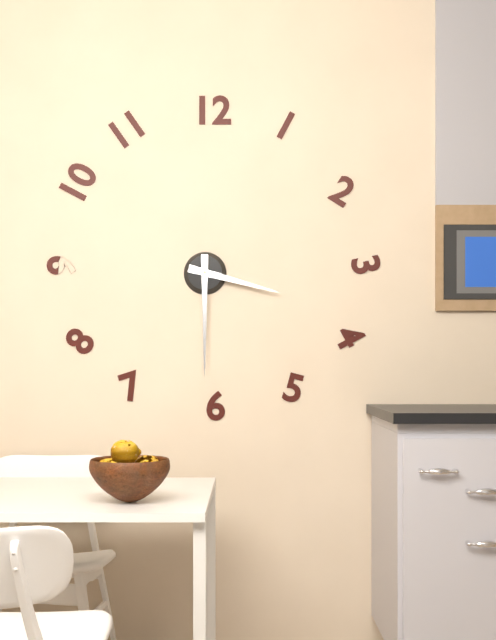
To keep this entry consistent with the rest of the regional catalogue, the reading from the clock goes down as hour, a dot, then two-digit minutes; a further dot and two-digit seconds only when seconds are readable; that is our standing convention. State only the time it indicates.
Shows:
3.30
